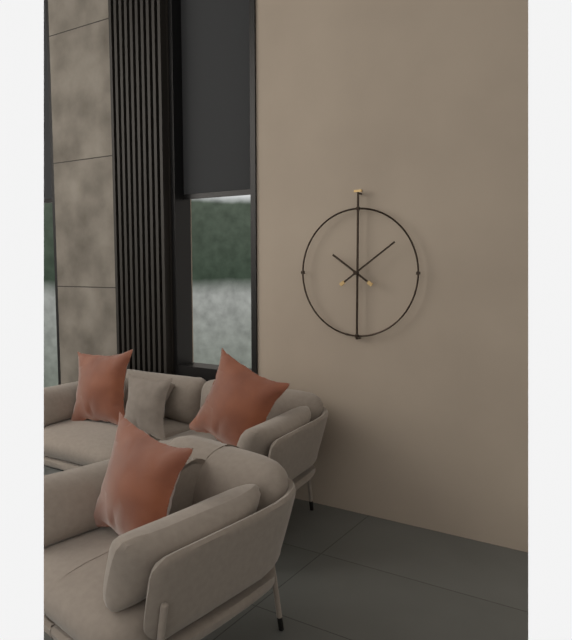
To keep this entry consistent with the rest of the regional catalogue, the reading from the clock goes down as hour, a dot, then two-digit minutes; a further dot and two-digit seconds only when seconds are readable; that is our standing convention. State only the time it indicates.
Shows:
10.09
